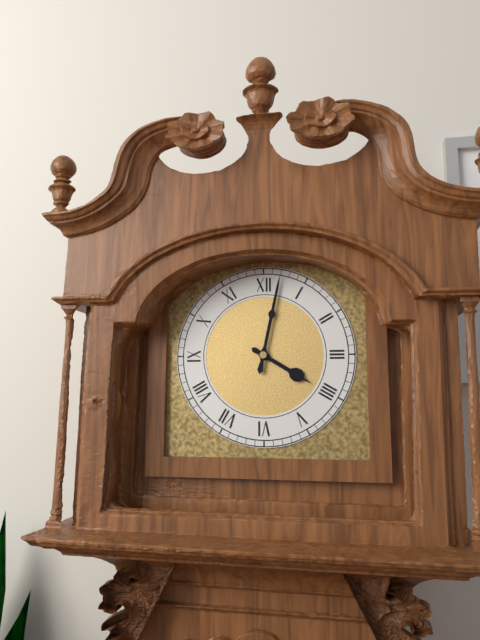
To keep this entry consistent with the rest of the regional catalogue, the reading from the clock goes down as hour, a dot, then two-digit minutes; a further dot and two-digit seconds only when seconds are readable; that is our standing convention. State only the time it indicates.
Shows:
4.02
